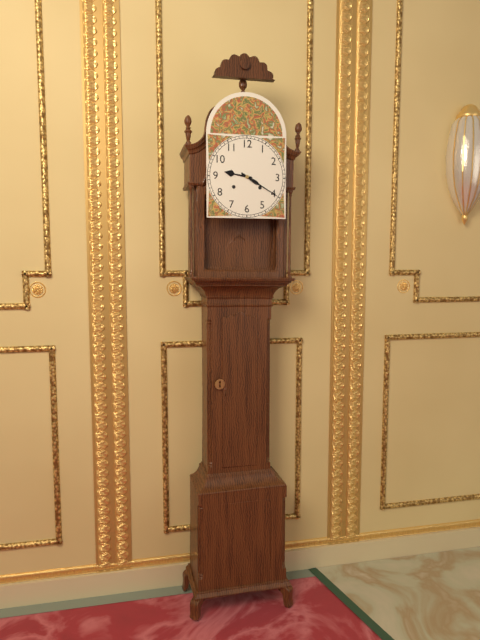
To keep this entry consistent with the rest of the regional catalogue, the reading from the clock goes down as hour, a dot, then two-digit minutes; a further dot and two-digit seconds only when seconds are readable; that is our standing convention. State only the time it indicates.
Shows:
9.20
